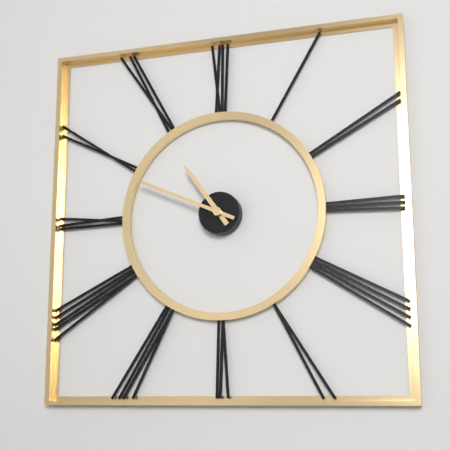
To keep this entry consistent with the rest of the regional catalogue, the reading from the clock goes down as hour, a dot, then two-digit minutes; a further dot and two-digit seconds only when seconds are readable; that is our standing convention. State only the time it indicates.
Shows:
10.49
